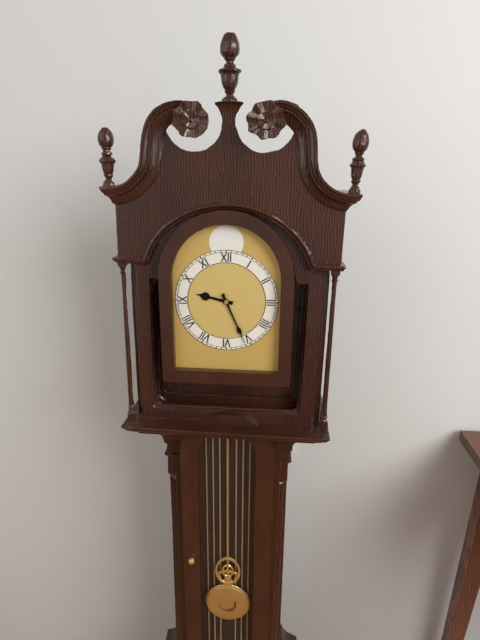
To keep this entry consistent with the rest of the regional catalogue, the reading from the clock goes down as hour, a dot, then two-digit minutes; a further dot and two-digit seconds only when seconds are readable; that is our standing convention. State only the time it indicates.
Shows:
9.26
